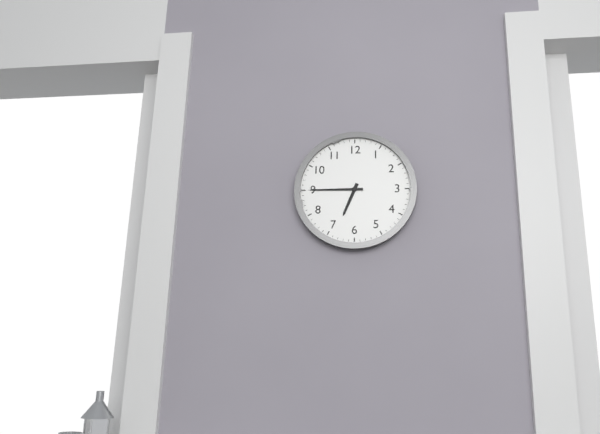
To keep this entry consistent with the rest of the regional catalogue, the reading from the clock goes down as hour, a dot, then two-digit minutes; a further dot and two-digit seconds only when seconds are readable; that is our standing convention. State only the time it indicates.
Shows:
6.45
